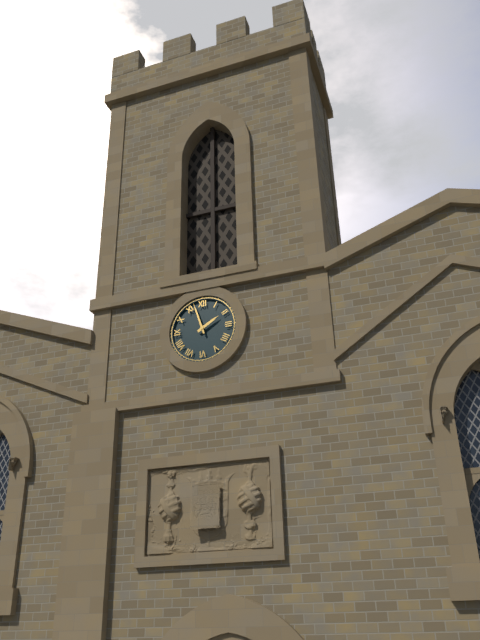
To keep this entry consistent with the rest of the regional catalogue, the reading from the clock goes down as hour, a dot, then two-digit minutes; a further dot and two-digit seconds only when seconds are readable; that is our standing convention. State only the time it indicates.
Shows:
1.57
